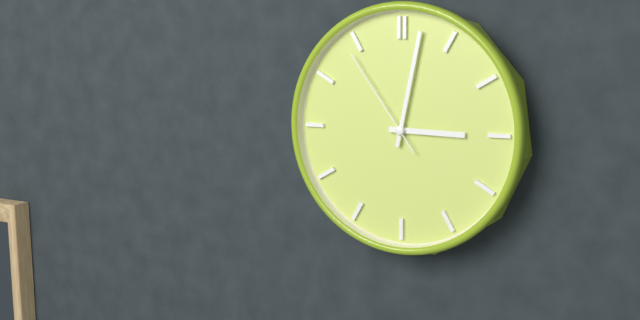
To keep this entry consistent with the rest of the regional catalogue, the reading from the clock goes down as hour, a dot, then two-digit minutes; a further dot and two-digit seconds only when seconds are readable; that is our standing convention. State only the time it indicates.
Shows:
3.02.54
